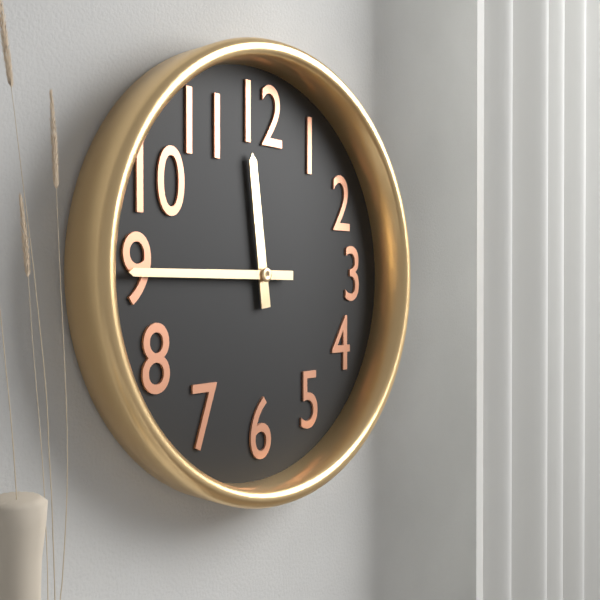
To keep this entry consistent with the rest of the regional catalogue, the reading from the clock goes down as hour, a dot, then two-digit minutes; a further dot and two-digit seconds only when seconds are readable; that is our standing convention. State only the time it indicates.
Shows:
11.45
